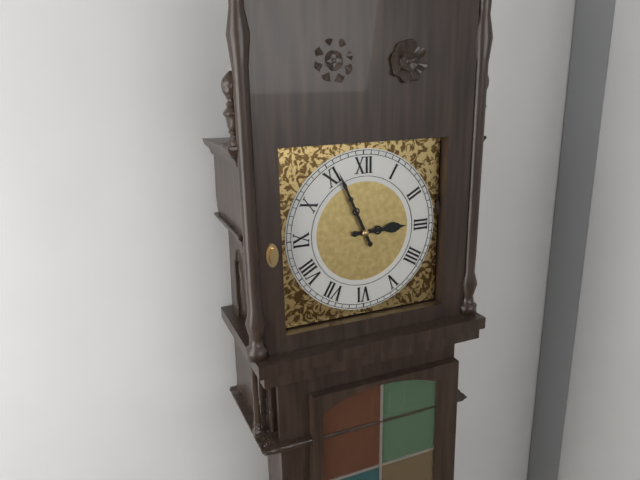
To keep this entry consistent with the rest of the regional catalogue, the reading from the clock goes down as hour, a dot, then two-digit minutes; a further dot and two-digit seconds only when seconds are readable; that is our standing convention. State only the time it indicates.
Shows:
2.56
